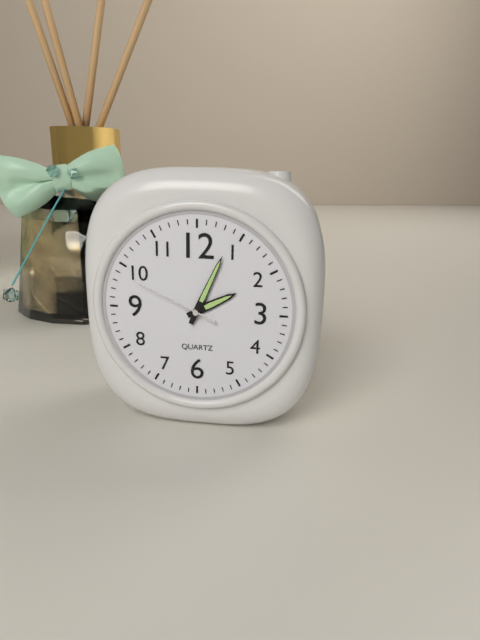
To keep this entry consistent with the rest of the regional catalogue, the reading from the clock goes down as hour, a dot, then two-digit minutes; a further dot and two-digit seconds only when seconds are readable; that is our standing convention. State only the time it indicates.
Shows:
2.04.49
